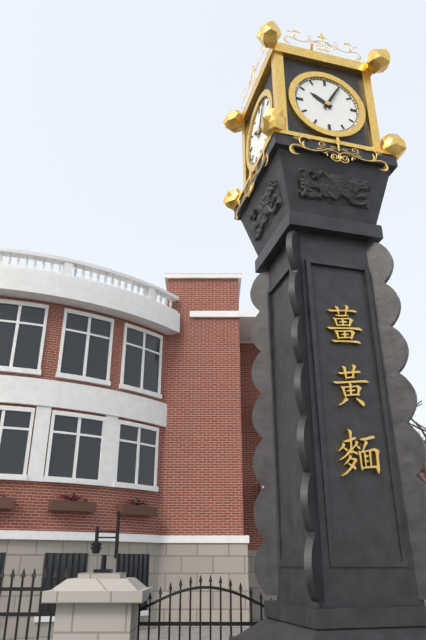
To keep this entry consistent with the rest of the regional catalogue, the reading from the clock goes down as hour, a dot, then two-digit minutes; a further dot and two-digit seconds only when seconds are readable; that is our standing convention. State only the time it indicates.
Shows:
10.05
